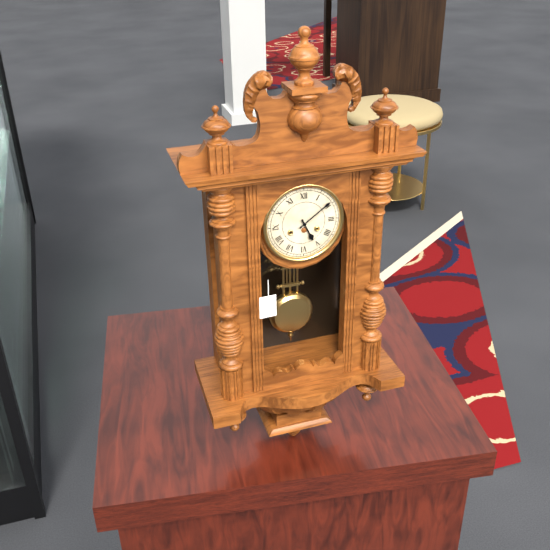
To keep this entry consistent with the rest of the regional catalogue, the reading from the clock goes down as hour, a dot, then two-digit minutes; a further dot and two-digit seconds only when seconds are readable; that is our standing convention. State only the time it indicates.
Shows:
5.09
